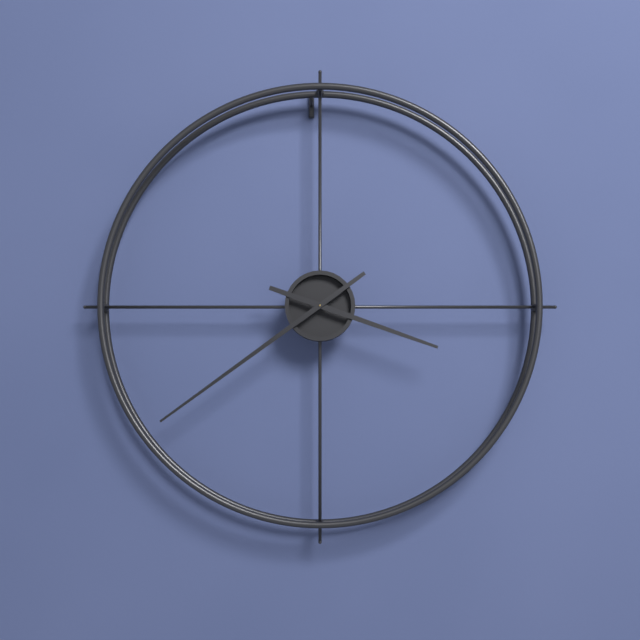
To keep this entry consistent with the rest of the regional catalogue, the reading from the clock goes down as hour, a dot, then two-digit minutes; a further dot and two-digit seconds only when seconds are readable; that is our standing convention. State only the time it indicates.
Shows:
3.39
